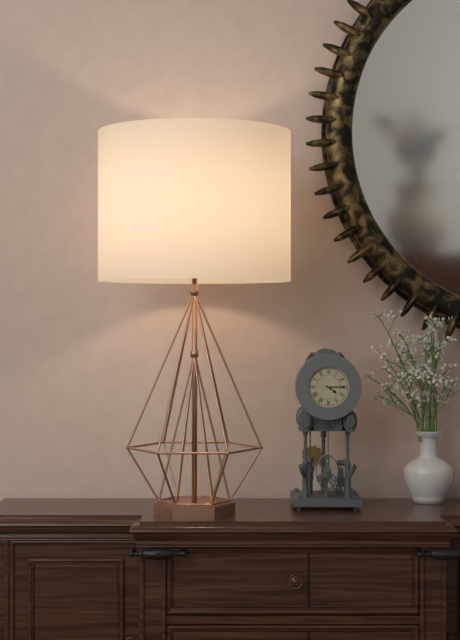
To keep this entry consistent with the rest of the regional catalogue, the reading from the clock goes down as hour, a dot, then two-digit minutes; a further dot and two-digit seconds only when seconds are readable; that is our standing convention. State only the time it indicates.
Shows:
4.15
